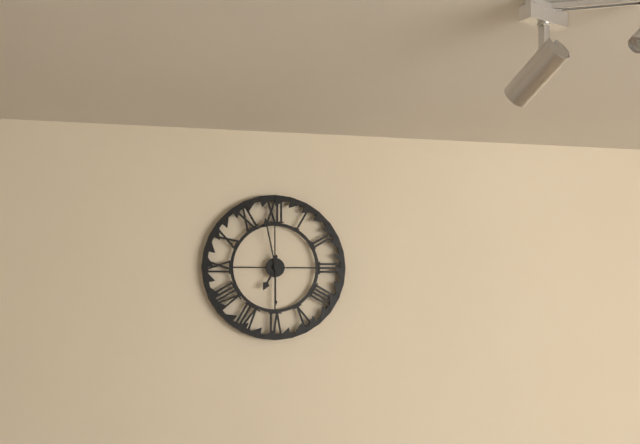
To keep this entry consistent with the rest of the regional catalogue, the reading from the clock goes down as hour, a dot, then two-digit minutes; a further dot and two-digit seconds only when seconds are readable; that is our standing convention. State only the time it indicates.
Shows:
6.58
